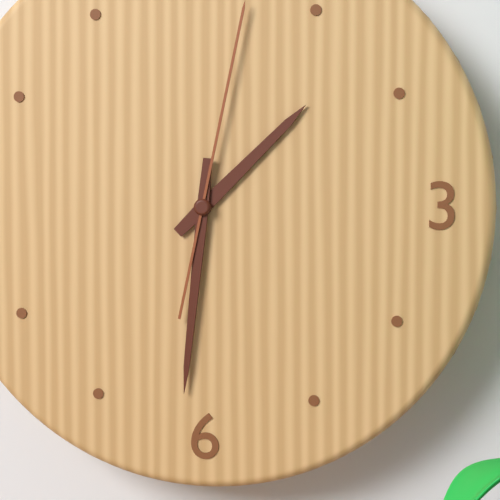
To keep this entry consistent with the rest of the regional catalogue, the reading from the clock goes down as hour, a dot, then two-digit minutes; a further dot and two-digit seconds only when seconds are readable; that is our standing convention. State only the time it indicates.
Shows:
1.31.02
